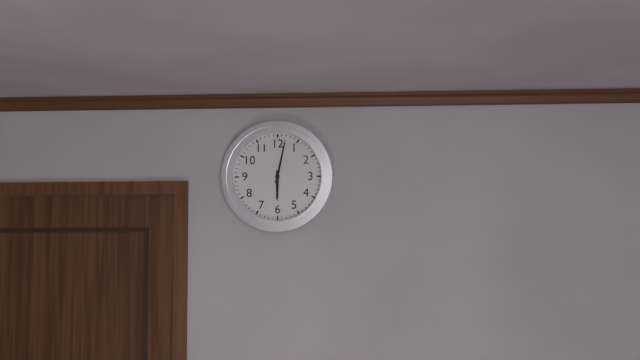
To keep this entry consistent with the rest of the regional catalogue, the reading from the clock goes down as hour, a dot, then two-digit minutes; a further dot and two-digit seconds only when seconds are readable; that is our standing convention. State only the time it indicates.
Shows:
6.02
